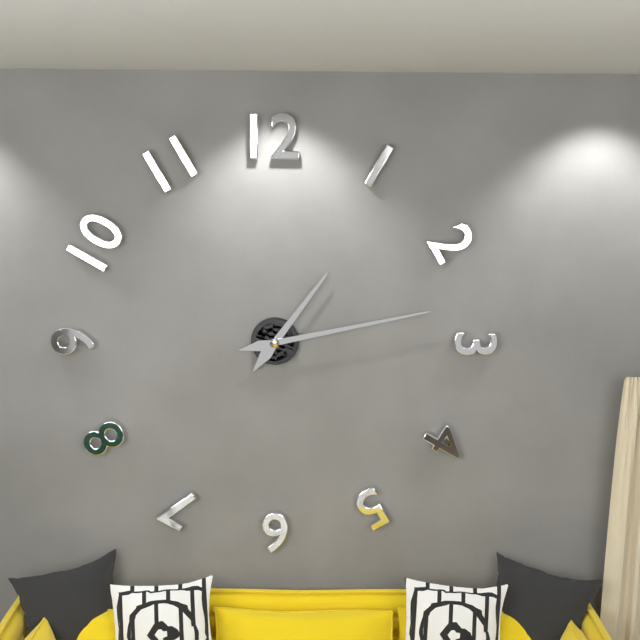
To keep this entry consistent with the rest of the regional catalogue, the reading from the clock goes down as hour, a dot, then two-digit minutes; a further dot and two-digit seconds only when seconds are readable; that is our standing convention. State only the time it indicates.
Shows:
1.13
